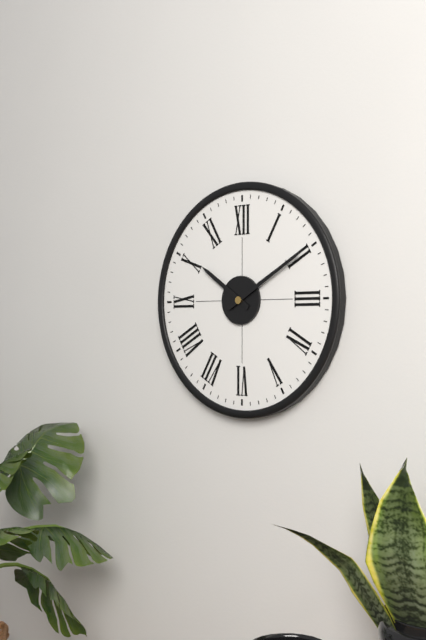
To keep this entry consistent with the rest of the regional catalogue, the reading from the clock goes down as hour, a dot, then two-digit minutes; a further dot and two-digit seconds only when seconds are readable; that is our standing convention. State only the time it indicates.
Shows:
10.10
